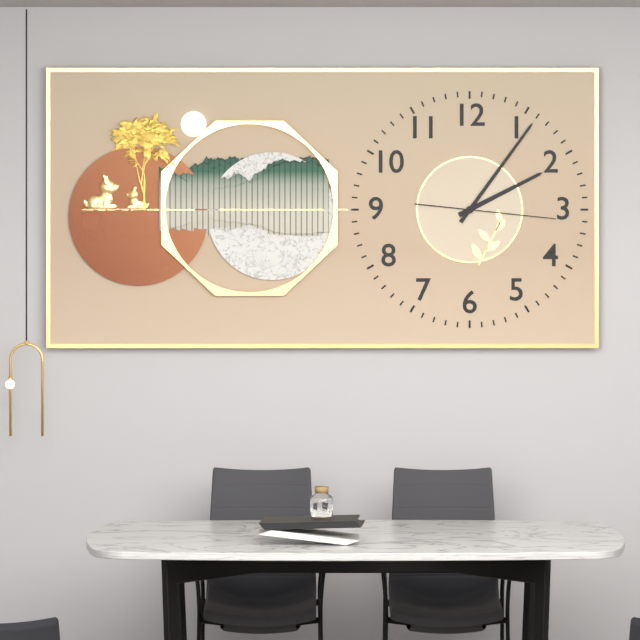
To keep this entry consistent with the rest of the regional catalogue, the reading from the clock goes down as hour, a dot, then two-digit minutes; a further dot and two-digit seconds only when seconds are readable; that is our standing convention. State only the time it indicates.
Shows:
2.06.16
